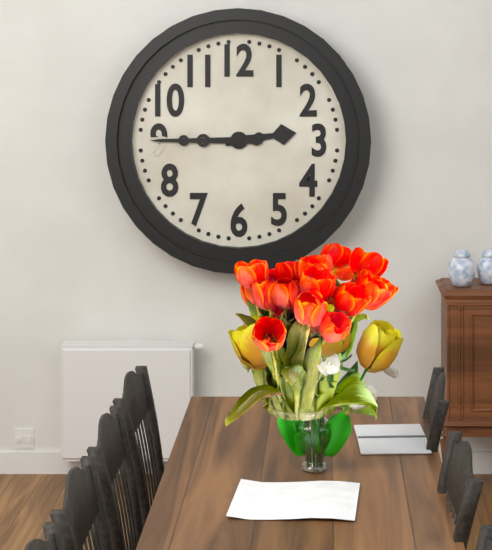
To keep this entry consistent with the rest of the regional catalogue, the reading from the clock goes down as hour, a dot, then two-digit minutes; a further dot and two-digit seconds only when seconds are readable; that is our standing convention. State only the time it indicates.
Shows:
2.45
